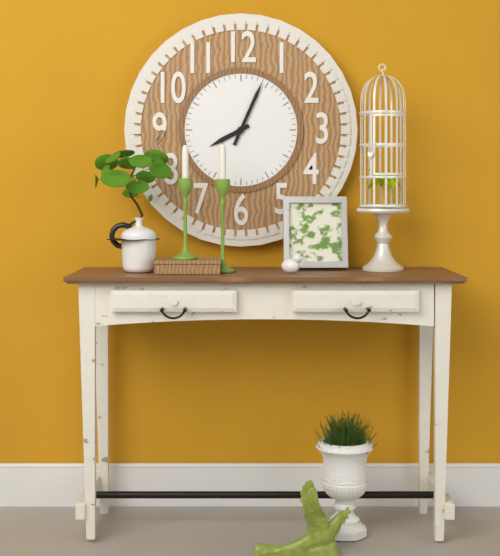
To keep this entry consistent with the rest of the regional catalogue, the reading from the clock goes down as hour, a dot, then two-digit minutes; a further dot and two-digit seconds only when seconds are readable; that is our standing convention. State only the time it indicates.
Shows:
8.04
